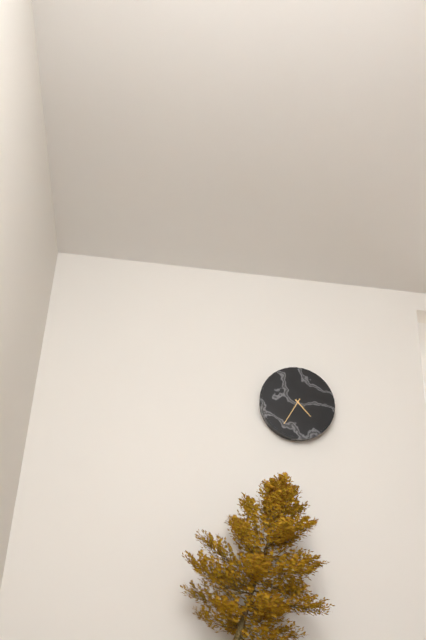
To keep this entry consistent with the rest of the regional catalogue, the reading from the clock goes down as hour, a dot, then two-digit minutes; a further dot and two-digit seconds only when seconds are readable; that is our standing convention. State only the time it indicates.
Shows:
4.35
